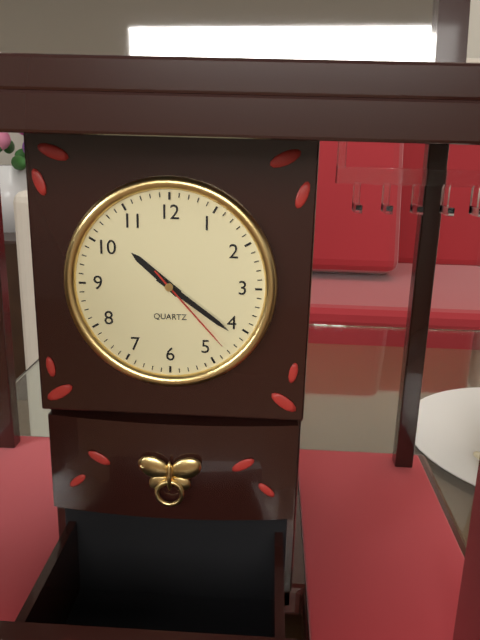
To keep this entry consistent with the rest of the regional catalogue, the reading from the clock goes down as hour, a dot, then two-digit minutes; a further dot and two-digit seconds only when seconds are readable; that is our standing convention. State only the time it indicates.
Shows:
10.21.23
